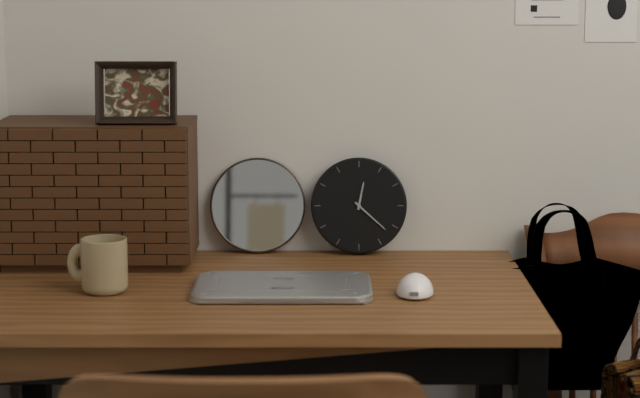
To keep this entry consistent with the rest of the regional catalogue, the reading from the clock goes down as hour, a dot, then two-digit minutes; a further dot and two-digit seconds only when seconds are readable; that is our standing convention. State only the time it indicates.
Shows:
12.22
